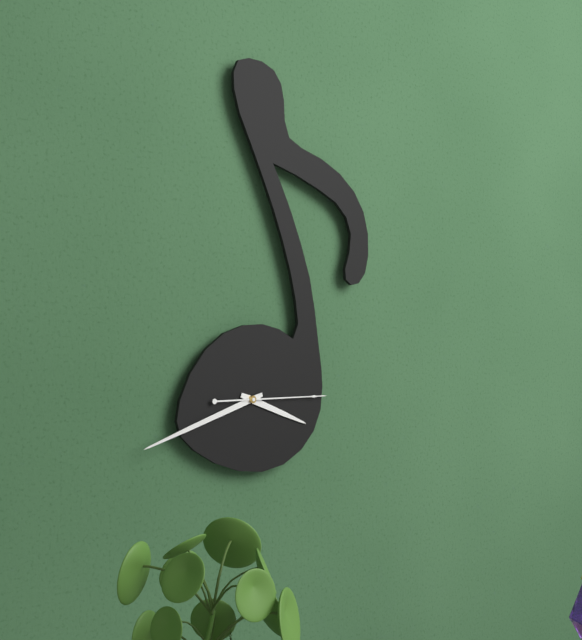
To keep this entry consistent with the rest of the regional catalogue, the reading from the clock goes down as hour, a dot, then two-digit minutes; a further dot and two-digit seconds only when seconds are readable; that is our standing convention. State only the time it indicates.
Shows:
3.42.15
